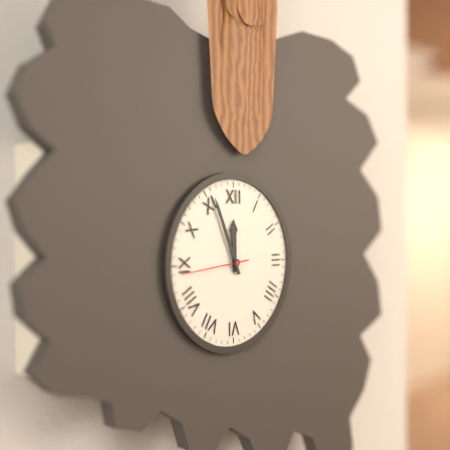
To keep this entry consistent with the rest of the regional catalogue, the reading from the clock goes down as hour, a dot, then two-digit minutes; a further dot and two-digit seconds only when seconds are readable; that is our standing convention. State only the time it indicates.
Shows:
11.56.44
